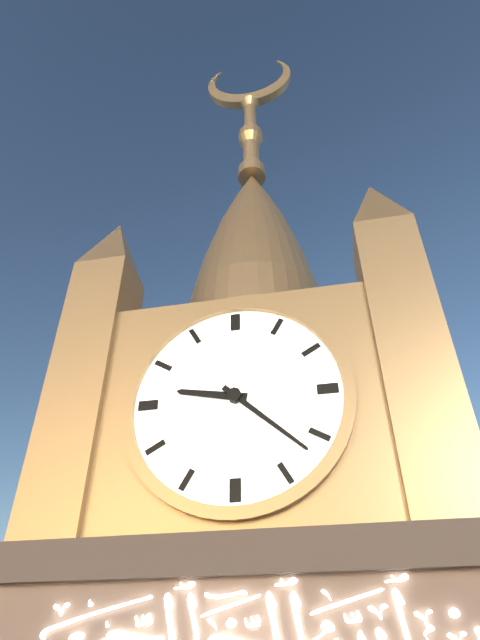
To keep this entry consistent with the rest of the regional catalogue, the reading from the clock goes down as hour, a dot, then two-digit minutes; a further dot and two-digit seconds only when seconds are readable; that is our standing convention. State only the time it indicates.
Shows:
9.22
